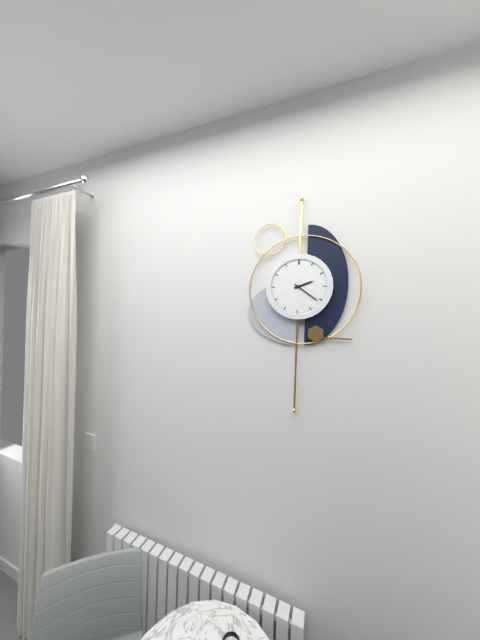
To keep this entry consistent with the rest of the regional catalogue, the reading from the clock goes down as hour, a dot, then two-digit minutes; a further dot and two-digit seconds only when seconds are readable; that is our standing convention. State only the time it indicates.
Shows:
2.21
